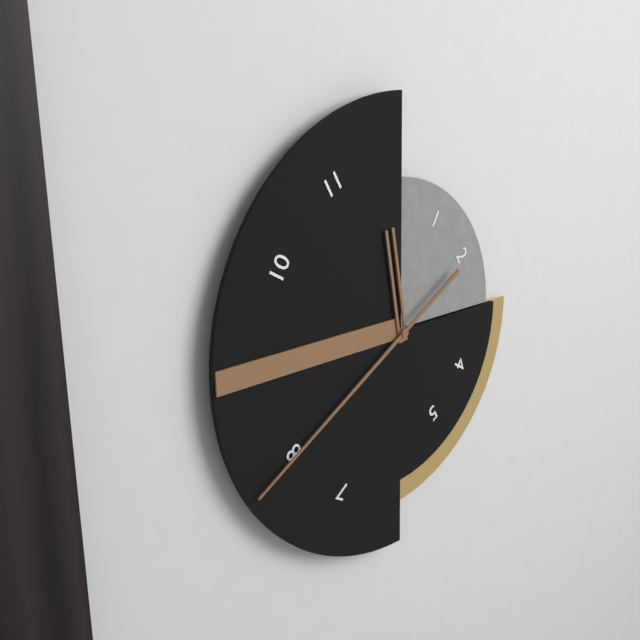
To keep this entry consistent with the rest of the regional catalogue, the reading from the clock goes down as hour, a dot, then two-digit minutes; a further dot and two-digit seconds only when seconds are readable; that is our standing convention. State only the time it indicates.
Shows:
11.40
